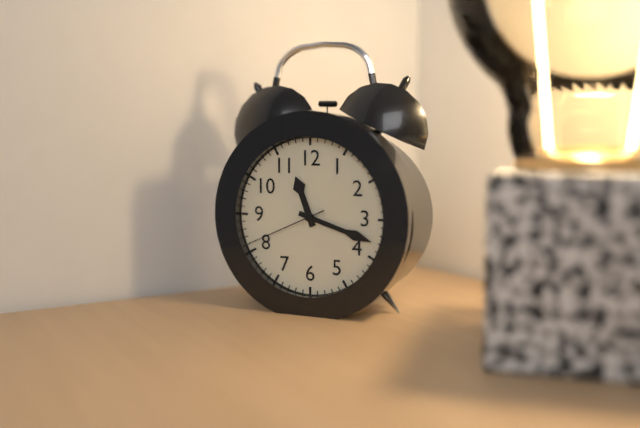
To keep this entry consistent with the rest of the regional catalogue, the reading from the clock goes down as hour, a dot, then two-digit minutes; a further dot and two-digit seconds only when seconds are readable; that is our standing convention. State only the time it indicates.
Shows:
11.18.41
